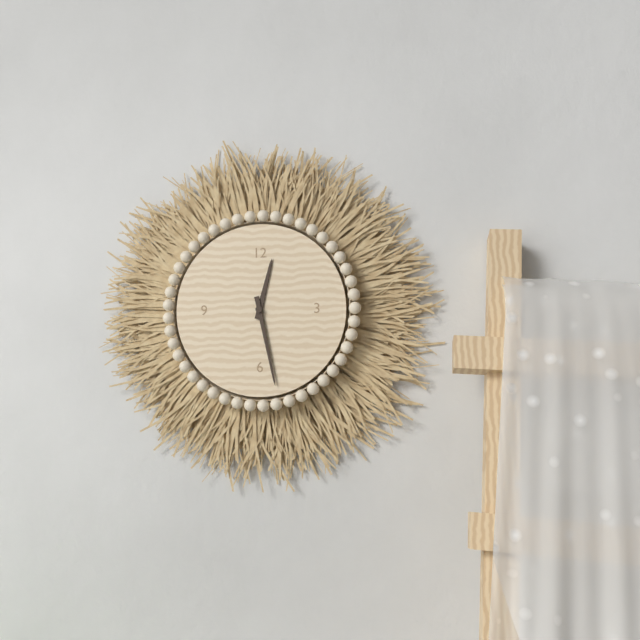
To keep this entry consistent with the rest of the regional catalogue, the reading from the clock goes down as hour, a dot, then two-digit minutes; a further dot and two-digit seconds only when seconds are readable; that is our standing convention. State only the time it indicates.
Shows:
12.28
